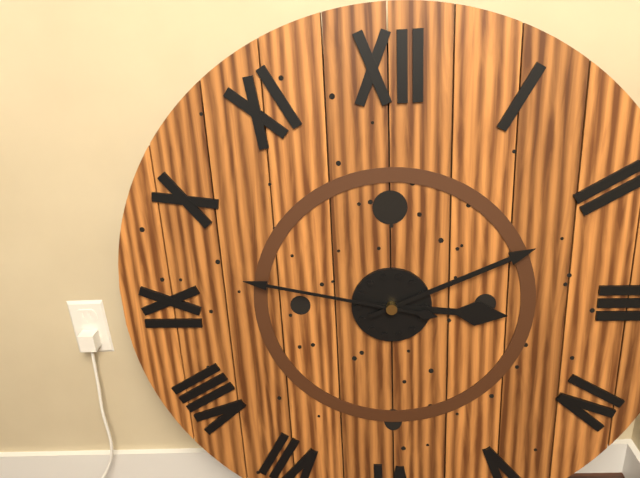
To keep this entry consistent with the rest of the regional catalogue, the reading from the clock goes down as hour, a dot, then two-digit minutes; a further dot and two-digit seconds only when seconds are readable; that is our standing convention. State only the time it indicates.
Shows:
3.11.47
